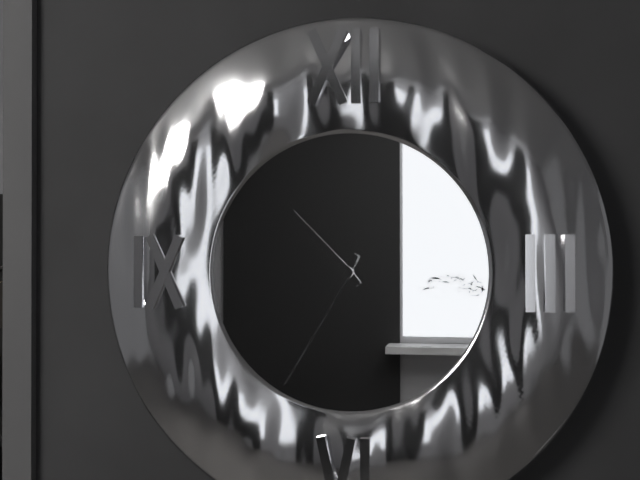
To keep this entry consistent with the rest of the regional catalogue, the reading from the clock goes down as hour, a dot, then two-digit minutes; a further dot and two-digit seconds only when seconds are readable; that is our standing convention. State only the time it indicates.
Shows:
10.35
